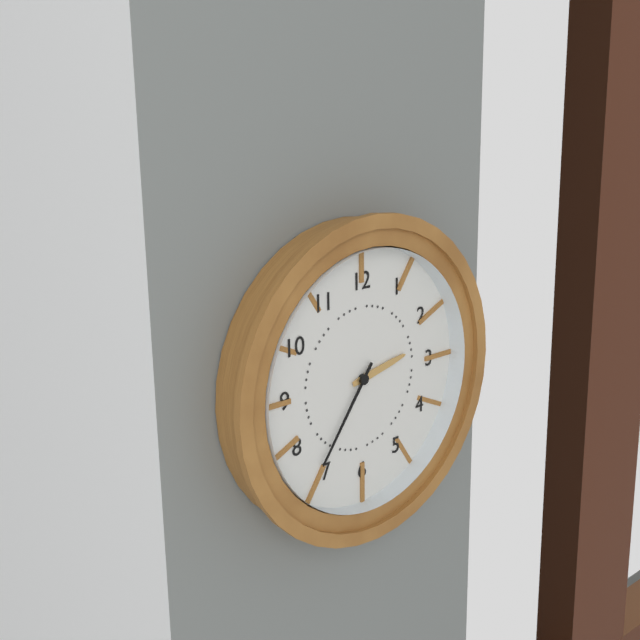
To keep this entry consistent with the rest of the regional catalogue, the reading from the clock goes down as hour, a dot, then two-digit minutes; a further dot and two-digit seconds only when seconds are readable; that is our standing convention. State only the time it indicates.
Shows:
2.36
